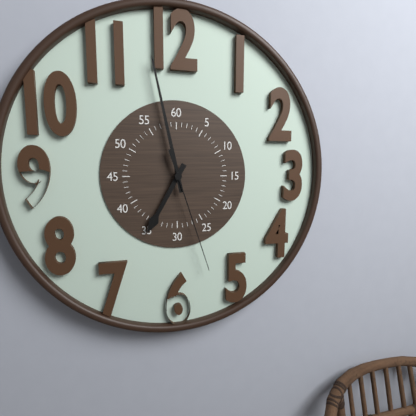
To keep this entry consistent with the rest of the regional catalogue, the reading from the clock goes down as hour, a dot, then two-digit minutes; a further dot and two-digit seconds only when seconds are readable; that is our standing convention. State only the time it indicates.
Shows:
6.58.27
